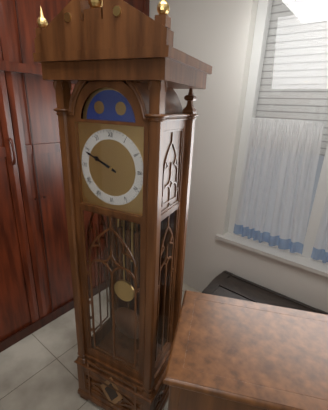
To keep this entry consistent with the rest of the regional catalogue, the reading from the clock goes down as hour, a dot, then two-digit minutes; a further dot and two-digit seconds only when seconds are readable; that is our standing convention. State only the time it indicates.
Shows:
9.49
